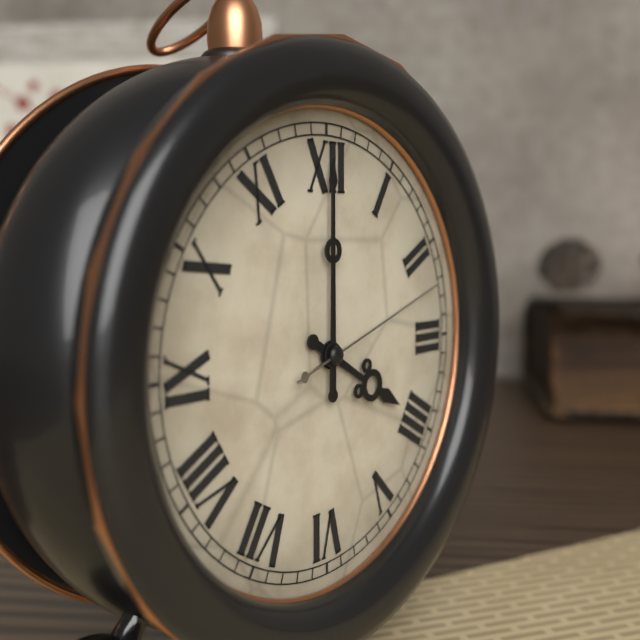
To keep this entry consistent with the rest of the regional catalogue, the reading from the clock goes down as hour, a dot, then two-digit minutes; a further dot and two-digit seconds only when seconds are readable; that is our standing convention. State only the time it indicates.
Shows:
4.00.12
